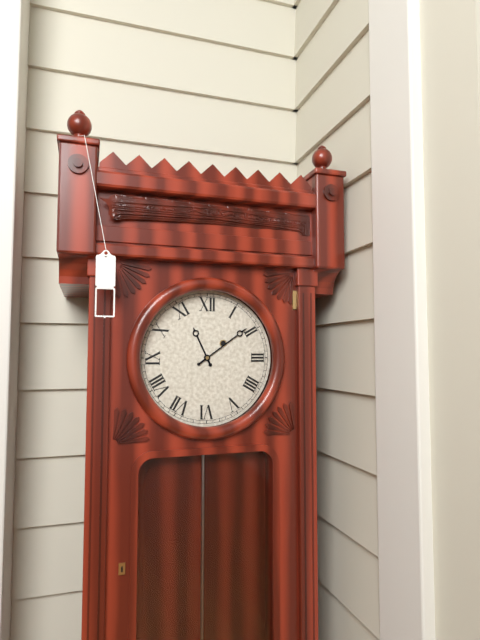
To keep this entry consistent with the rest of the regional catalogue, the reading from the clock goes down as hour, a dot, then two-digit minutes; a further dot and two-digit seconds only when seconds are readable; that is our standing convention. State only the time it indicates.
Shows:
11.09
